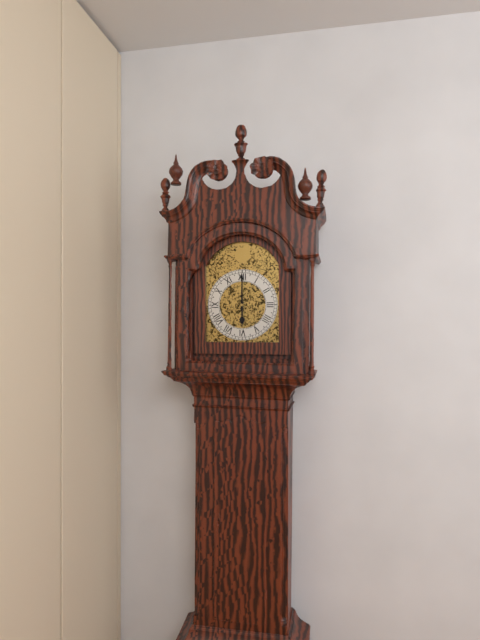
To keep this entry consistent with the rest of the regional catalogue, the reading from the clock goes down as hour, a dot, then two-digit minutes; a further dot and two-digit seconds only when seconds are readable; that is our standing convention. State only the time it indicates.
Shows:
6.00
